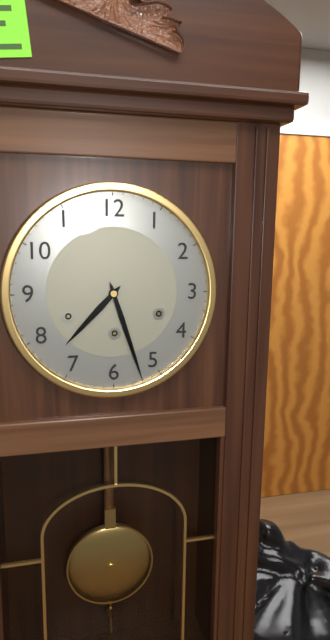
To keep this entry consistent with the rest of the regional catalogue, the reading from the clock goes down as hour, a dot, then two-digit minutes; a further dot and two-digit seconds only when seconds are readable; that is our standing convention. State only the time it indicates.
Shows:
7.27
